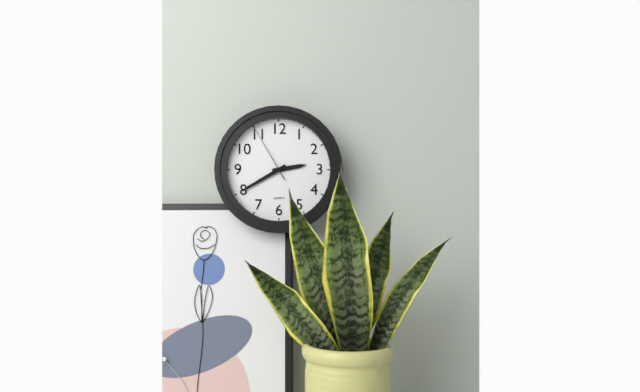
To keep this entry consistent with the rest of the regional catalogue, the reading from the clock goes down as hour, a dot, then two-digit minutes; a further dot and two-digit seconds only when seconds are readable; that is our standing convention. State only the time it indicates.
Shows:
2.40.55
